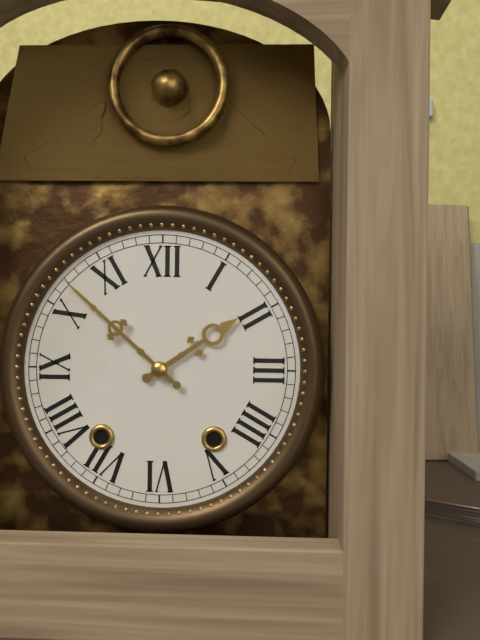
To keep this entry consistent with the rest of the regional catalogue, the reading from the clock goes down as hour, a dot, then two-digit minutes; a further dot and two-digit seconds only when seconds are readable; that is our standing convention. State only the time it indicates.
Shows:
1.52
